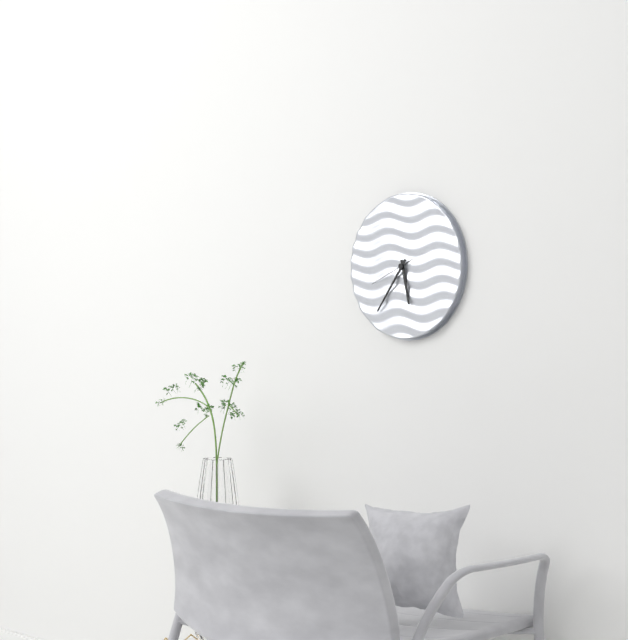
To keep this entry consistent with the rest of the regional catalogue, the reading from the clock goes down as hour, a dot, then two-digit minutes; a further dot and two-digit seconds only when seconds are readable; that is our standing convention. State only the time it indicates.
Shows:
5.36
